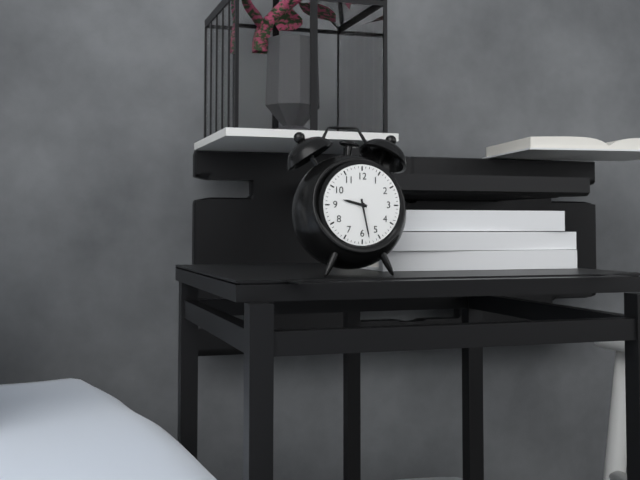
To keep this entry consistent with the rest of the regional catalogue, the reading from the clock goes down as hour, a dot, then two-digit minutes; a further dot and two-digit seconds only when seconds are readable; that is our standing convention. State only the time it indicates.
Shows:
9.28
